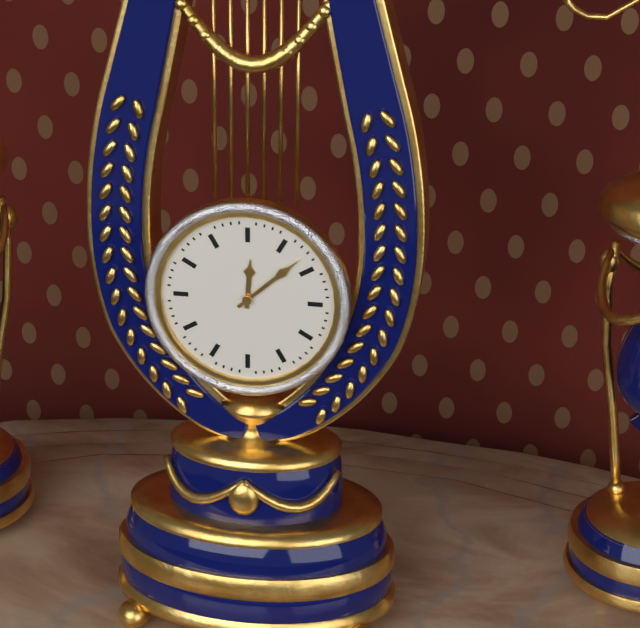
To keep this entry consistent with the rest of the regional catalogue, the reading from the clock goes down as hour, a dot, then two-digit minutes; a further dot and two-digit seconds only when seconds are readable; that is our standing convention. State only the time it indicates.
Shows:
12.08
